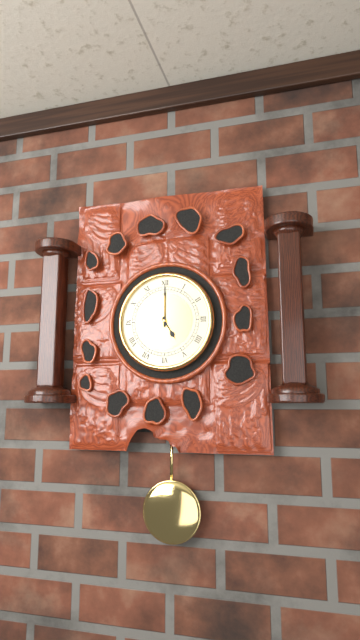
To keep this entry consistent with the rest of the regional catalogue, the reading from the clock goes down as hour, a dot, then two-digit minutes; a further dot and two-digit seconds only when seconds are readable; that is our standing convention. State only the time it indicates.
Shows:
5.00
